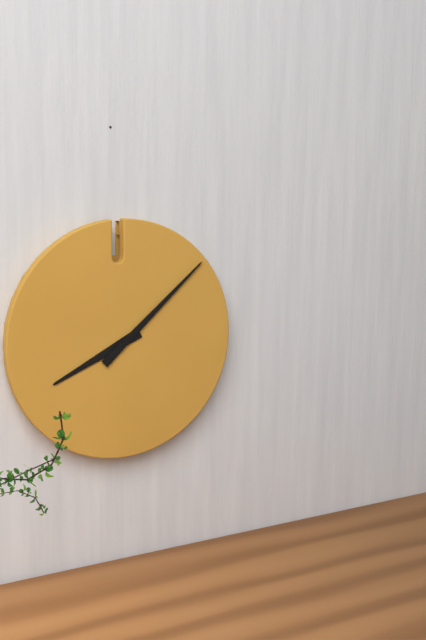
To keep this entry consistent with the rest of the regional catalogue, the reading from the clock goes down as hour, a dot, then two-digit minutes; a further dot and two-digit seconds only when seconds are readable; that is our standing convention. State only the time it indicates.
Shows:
8.08
